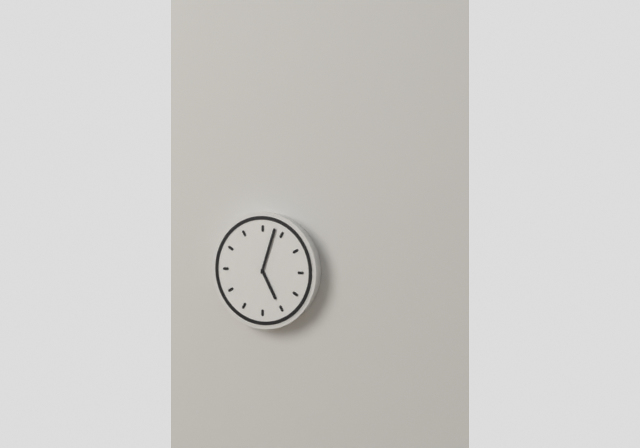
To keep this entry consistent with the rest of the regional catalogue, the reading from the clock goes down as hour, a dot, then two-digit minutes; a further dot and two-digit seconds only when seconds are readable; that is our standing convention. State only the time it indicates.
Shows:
5.03
